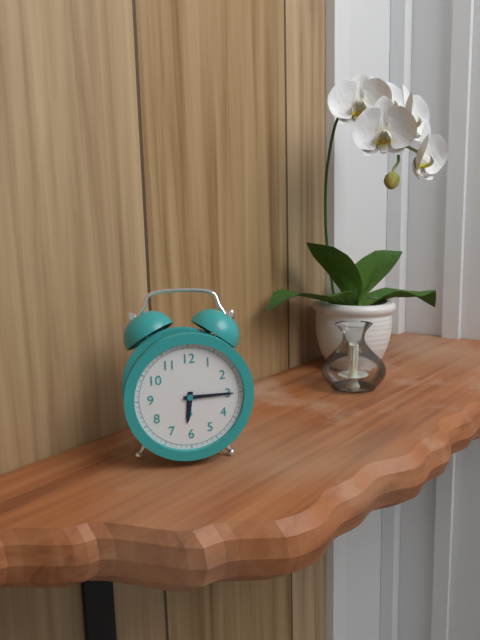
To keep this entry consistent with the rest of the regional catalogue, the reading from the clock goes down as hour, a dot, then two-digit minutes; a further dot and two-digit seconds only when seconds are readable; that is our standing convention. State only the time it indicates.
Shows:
6.15
